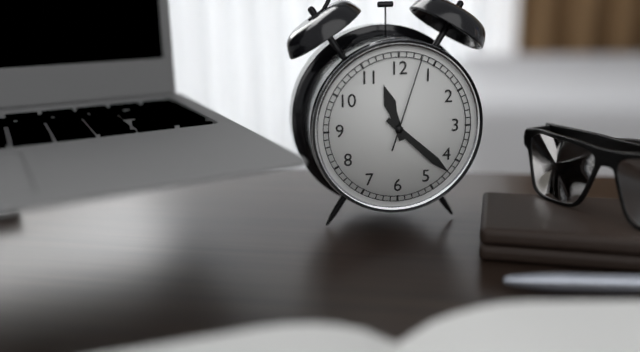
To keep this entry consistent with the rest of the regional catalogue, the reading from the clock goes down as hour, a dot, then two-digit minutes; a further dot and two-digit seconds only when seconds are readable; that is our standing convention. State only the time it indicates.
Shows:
11.22.03
